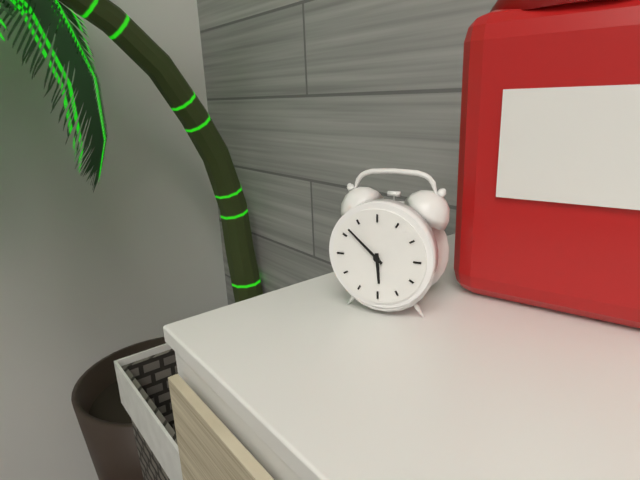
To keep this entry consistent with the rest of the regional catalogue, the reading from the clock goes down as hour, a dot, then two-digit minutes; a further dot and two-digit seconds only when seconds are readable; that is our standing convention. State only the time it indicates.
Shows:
5.52
